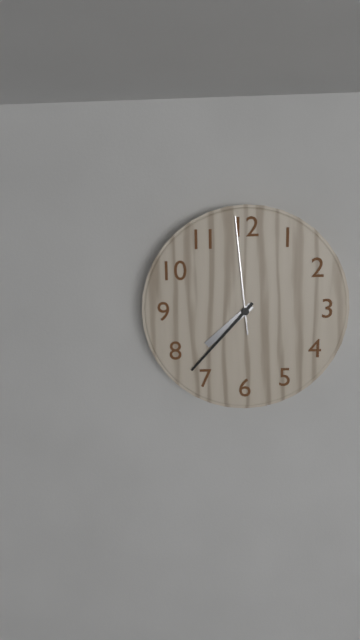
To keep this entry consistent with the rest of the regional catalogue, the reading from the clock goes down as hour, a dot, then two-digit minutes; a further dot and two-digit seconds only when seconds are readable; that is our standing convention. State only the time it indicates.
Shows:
7.37.59
